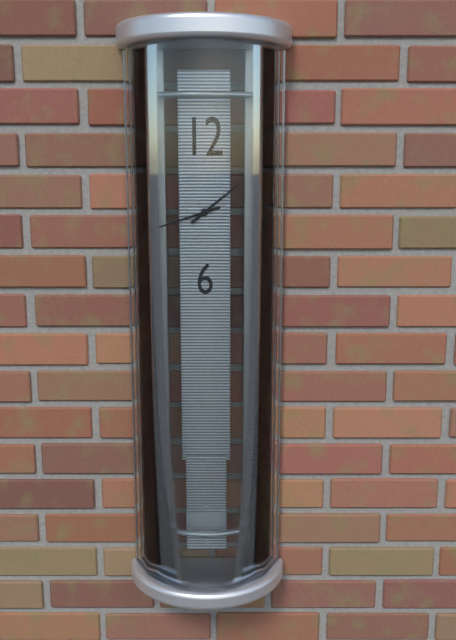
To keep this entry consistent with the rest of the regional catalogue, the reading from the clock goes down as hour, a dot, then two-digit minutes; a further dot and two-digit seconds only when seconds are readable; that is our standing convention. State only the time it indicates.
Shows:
1.42
